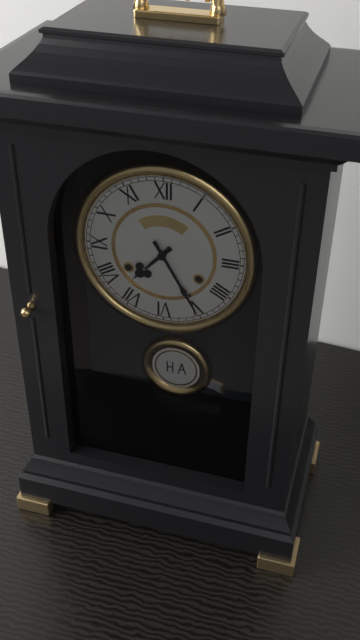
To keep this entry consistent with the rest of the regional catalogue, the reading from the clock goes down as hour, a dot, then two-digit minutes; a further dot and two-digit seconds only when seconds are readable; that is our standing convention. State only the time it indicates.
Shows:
7.25
